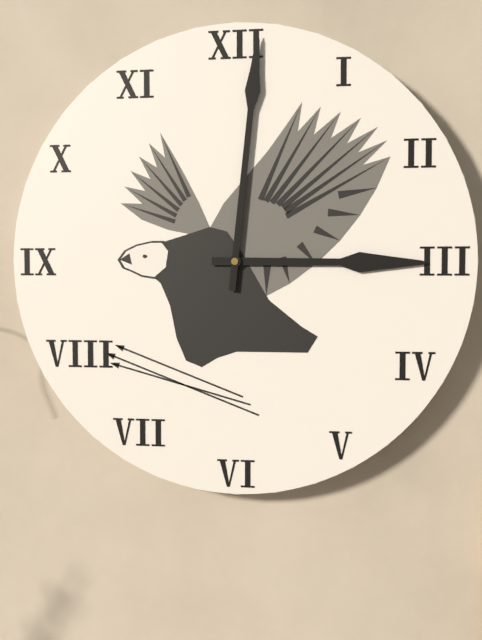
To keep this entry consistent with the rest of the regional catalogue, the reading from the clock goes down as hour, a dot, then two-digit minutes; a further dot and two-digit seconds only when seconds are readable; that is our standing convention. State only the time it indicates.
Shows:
3.01
